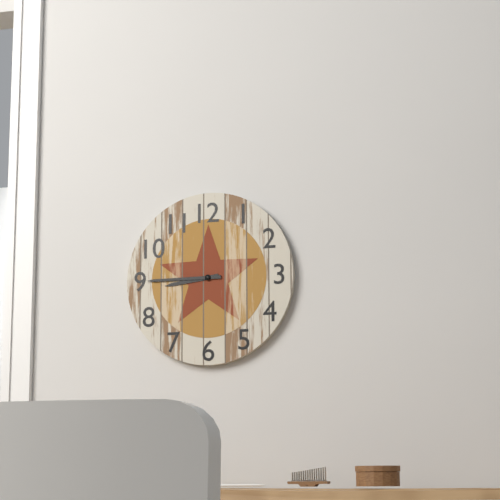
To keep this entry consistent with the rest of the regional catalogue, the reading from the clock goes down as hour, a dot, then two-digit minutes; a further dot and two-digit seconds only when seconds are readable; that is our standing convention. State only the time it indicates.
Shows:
8.45
